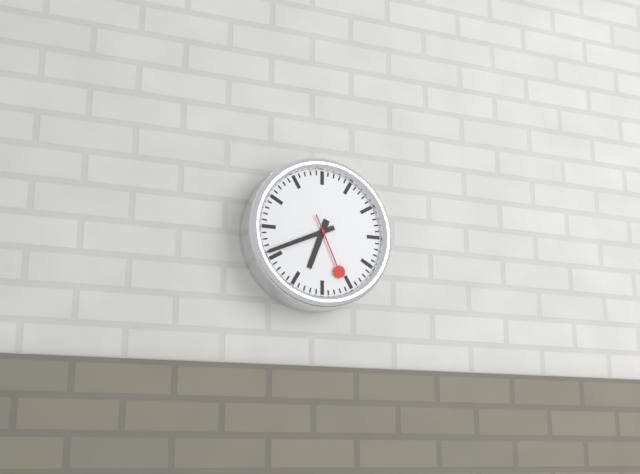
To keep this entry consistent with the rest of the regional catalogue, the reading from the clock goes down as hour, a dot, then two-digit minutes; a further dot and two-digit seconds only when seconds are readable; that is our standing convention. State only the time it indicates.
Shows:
6.41.26
